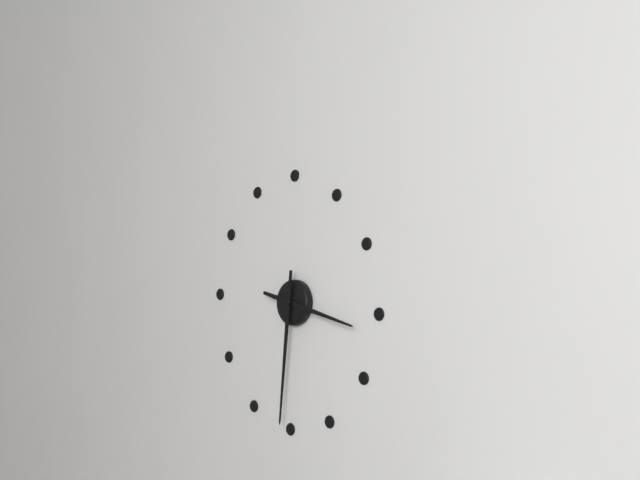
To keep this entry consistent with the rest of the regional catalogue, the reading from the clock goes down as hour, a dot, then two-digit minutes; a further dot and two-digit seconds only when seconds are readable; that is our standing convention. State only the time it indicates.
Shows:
3.31
